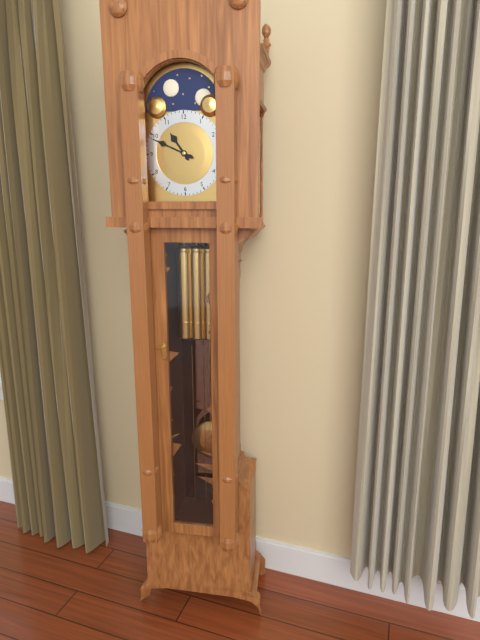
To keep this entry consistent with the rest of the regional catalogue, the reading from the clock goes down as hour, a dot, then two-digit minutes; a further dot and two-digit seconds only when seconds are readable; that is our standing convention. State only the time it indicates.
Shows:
10.49
